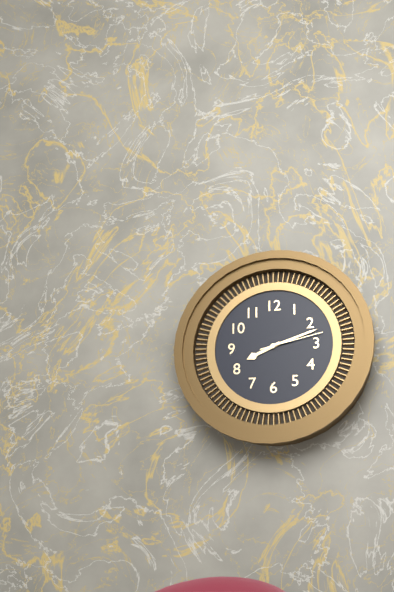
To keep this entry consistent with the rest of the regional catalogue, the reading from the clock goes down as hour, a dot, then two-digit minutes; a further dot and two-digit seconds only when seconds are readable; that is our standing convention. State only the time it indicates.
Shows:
8.12.13
